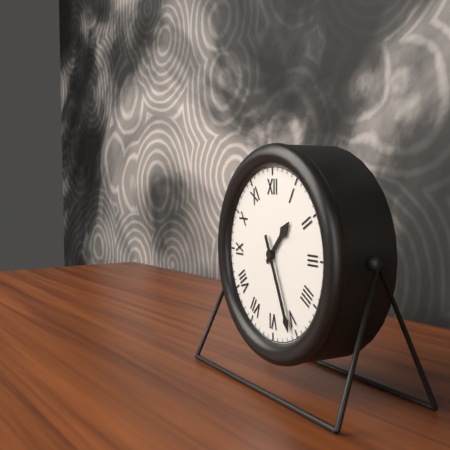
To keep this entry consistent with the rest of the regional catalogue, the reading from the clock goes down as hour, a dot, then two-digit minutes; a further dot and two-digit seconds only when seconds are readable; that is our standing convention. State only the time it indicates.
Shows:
1.26
